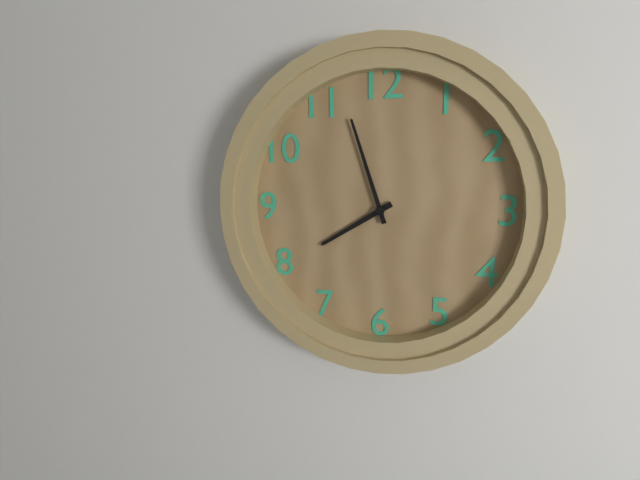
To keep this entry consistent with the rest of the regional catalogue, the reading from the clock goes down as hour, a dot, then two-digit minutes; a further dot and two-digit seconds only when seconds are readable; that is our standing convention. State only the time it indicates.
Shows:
7.57
